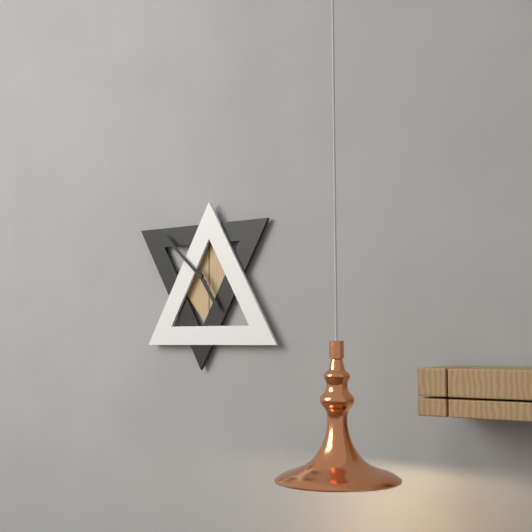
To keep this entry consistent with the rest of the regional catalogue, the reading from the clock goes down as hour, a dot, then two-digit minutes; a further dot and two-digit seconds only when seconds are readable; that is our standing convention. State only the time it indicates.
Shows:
4.52
